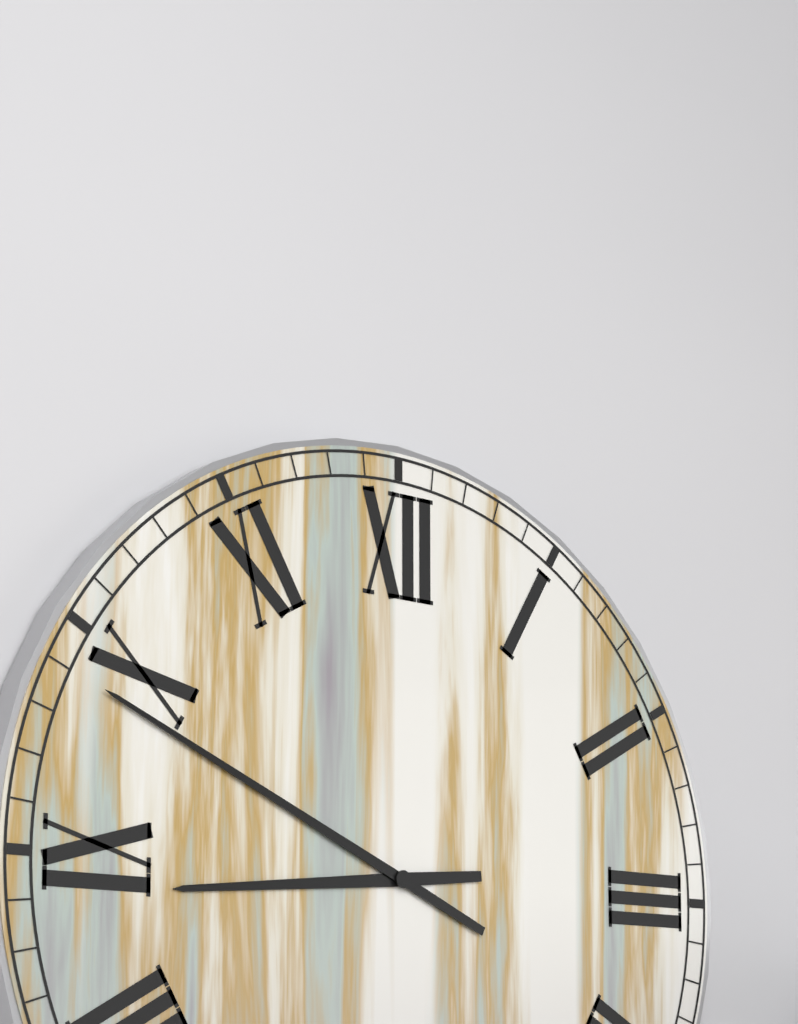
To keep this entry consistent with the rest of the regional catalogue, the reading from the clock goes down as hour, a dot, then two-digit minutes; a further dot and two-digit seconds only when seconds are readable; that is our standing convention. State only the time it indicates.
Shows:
8.49
